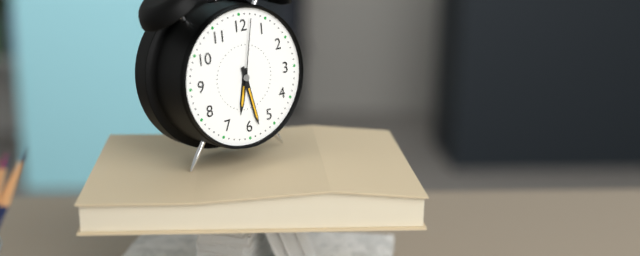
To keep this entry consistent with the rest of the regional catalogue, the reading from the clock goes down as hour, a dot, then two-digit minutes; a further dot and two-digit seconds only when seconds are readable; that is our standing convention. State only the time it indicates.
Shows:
6.28.02
